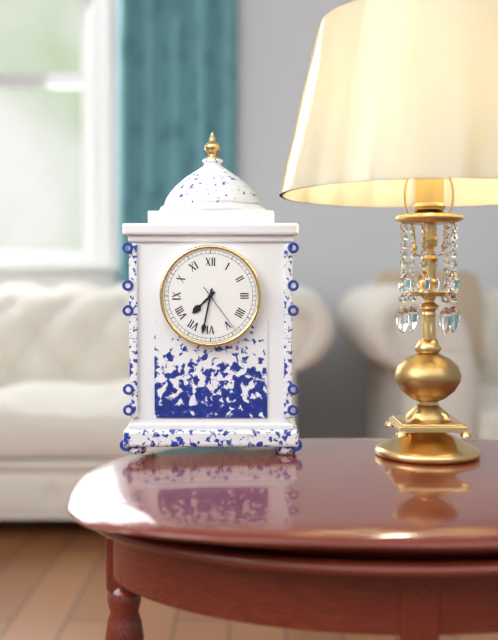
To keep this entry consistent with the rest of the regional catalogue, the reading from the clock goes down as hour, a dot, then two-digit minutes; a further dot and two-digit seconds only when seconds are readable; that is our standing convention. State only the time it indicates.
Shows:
7.32.24
